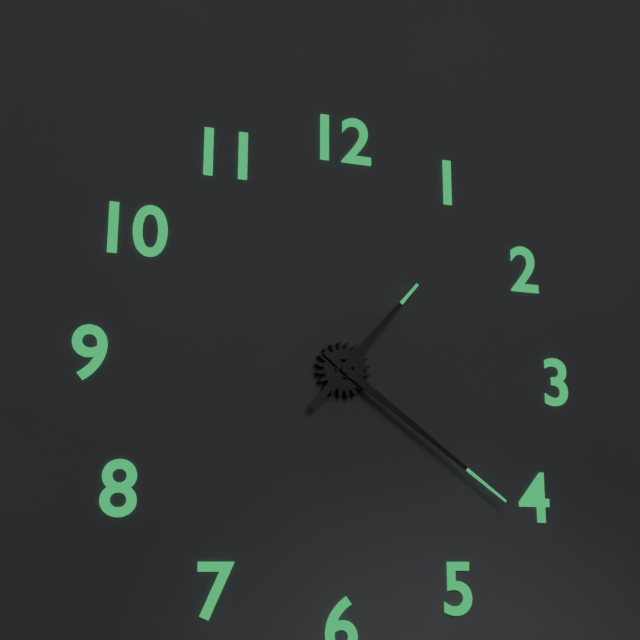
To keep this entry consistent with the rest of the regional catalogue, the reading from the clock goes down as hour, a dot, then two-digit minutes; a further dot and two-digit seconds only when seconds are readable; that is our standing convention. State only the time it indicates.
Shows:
1.21
